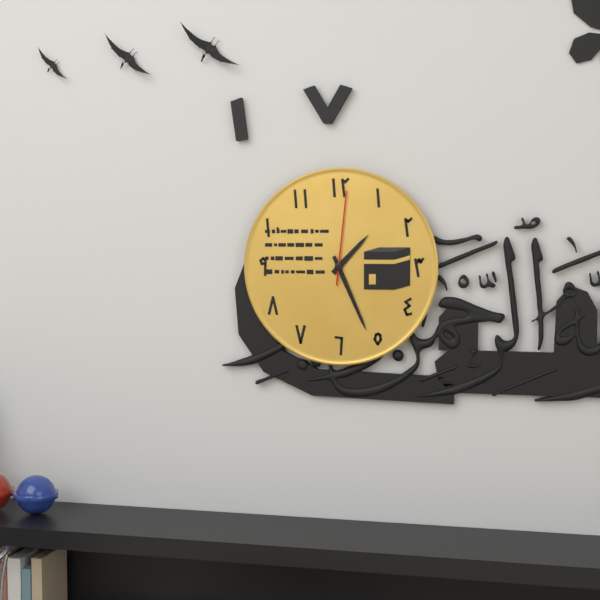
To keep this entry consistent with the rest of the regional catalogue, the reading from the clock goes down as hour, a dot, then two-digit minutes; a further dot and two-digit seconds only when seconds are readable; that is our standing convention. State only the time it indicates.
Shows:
1.26.01
